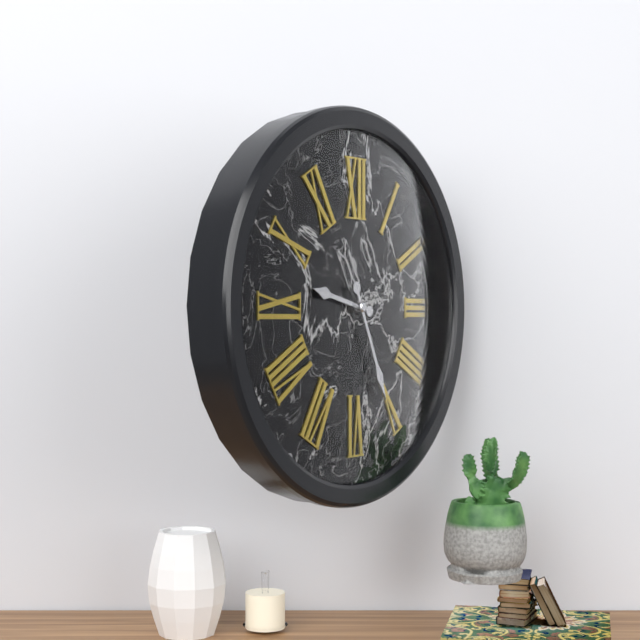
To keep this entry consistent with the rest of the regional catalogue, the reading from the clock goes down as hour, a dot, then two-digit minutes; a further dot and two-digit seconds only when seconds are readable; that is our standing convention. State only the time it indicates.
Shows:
9.26
